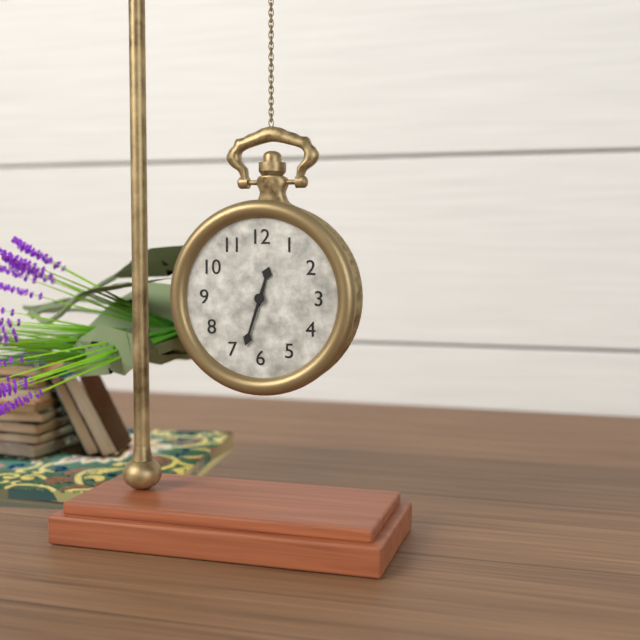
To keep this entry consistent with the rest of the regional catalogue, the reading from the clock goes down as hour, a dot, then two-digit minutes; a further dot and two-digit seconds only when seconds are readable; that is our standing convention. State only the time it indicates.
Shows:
12.33
